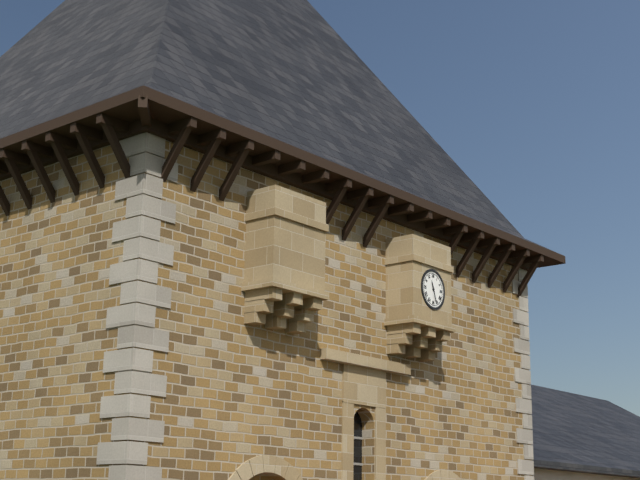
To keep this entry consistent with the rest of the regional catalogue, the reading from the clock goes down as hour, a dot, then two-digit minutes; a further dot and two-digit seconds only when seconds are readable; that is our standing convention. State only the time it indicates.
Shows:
11.27
